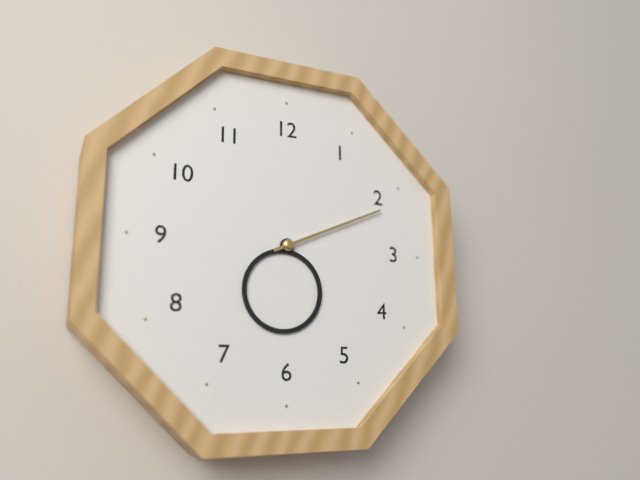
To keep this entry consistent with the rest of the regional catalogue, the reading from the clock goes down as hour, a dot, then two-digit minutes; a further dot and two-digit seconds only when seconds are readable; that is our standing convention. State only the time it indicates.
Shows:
6.11
